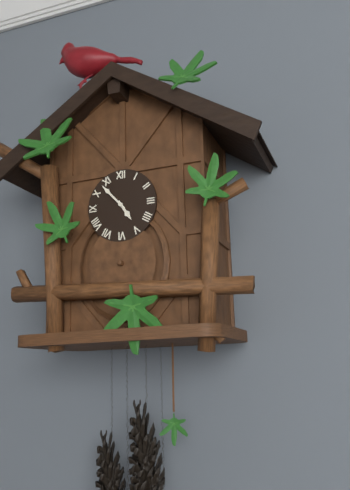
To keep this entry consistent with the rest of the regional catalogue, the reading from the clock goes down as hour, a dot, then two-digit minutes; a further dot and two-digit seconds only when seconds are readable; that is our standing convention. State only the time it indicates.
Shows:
4.53
